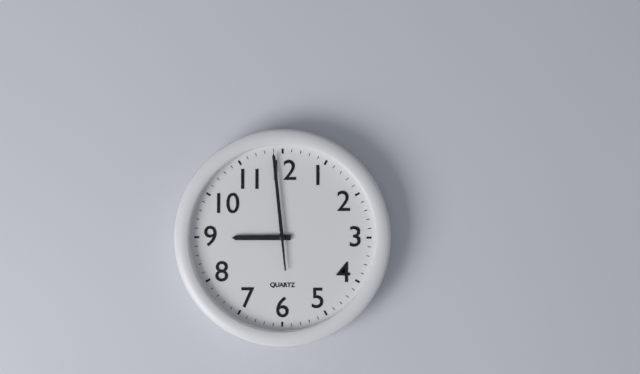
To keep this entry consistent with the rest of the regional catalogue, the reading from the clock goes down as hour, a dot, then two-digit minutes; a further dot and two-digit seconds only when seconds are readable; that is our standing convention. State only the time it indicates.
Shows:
8.59
